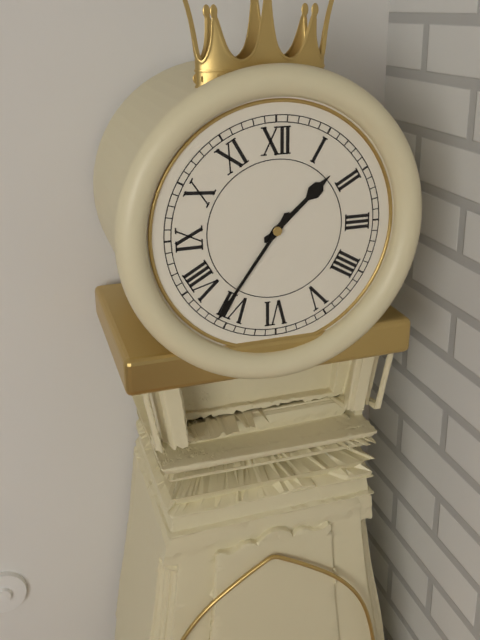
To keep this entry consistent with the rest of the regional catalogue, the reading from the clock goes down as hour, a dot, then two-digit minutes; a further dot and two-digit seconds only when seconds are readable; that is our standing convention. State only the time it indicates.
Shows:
1.36
